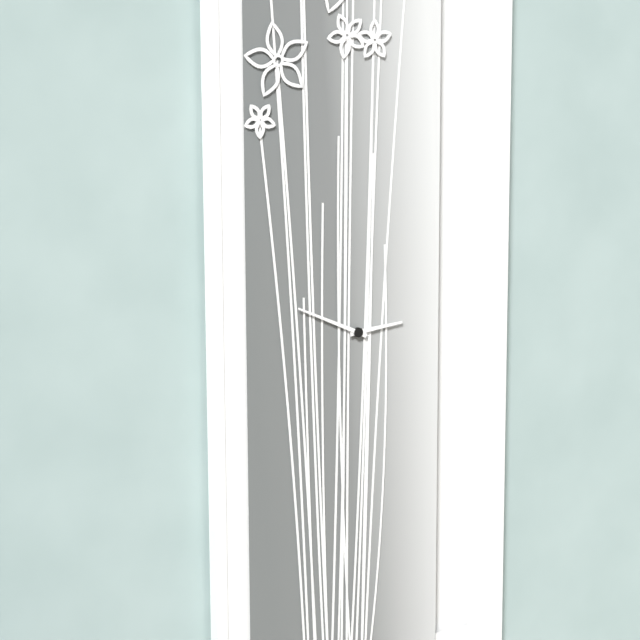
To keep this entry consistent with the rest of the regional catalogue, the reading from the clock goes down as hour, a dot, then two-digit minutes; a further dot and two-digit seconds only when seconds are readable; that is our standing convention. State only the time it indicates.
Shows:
2.49
